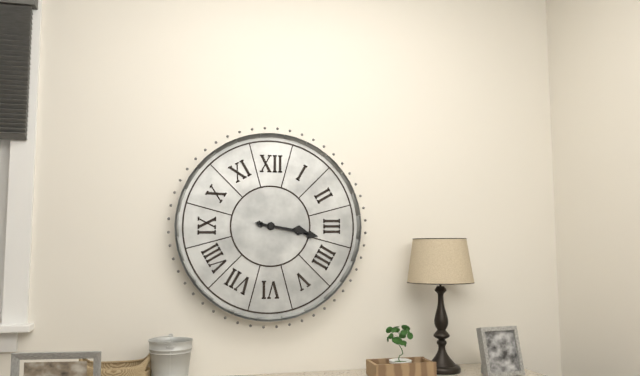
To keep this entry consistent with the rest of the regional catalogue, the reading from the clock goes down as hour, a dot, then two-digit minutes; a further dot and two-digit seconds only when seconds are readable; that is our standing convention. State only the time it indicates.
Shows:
3.17
